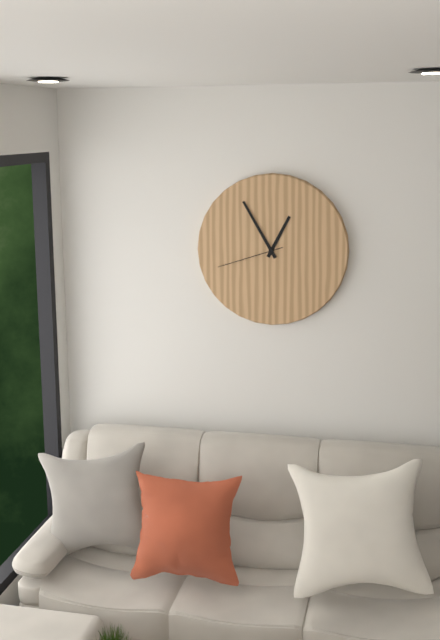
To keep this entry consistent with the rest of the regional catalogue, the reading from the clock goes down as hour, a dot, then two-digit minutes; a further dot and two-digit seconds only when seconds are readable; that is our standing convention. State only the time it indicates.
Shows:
12.55.42
